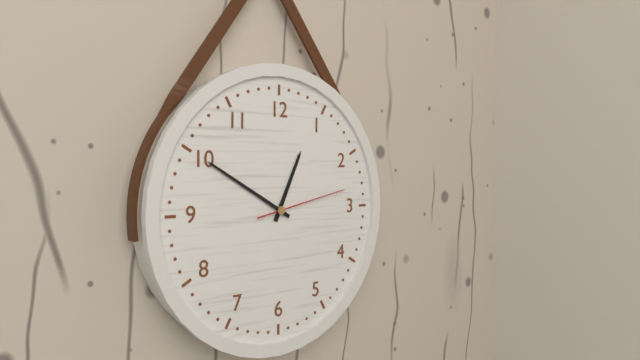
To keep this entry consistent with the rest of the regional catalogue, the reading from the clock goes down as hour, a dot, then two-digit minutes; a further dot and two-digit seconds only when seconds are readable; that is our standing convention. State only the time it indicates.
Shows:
12.50.13
